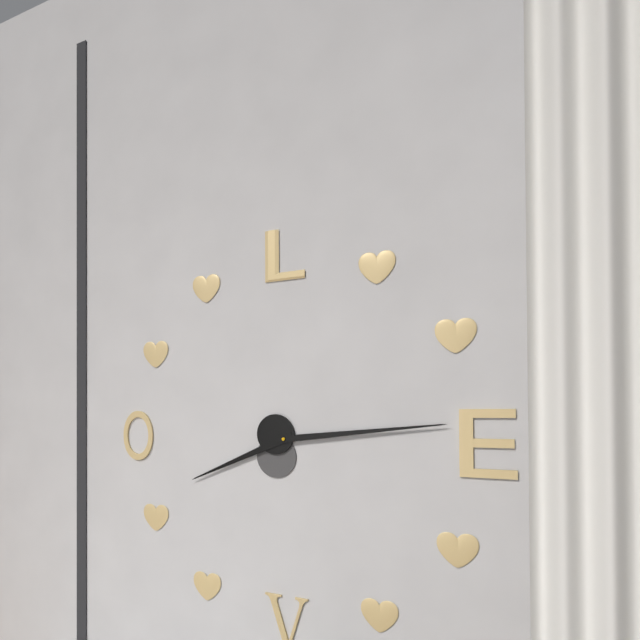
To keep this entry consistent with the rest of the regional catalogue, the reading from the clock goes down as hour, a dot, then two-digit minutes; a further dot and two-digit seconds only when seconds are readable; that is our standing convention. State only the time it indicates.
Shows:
8.14
